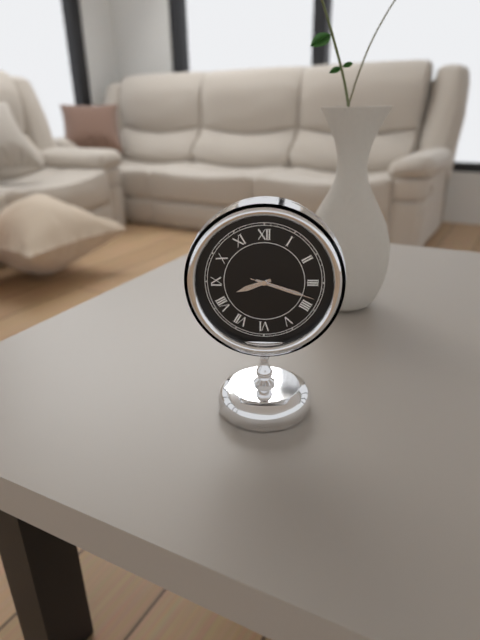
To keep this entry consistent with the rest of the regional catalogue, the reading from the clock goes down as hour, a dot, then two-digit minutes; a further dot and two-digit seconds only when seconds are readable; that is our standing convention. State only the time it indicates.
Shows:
8.18.18
